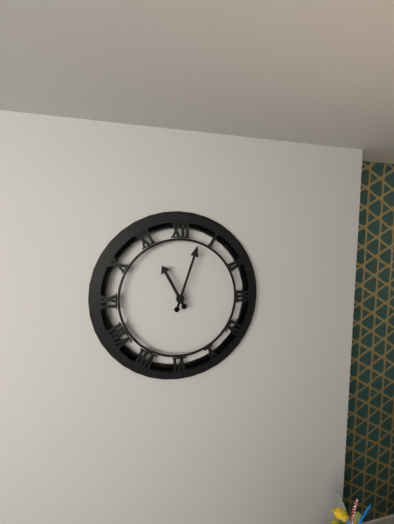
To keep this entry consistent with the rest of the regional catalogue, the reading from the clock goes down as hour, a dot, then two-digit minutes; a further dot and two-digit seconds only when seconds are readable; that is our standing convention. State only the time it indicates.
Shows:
11.03
